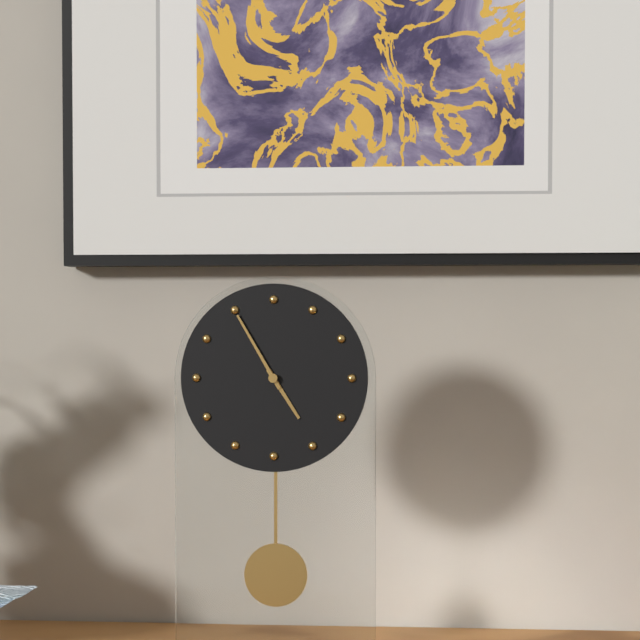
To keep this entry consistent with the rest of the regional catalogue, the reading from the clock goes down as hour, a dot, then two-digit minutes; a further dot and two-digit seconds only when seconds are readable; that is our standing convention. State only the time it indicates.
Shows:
4.55
